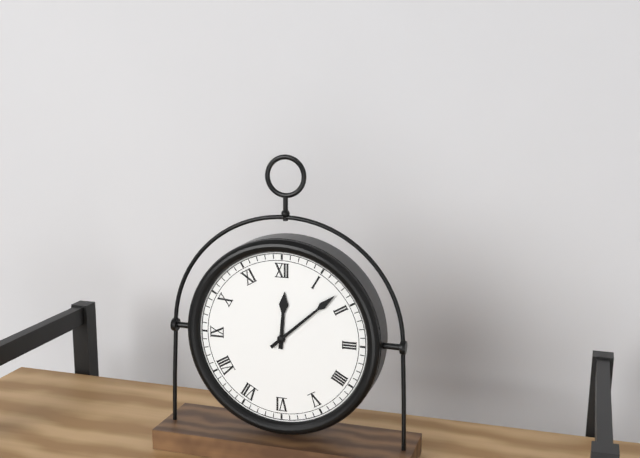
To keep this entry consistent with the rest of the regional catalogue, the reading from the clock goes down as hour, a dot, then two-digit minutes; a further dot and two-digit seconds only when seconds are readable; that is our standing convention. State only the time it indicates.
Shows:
12.08
